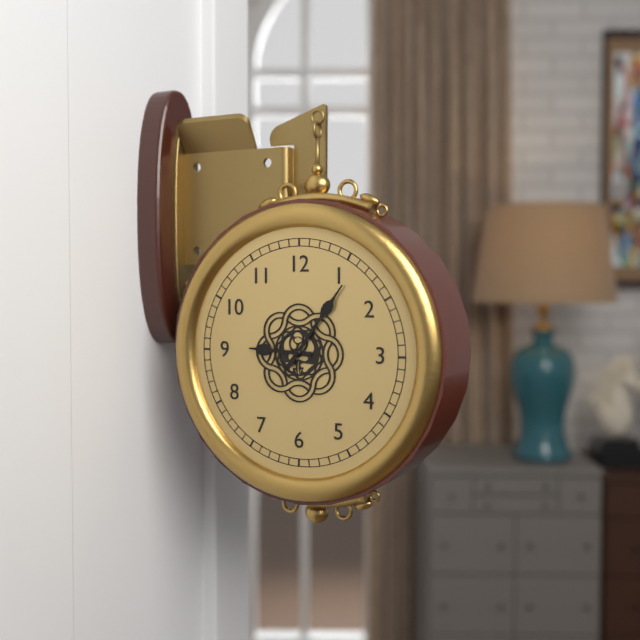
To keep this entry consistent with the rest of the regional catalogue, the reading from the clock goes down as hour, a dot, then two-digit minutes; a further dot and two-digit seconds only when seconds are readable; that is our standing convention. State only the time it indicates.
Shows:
9.06
